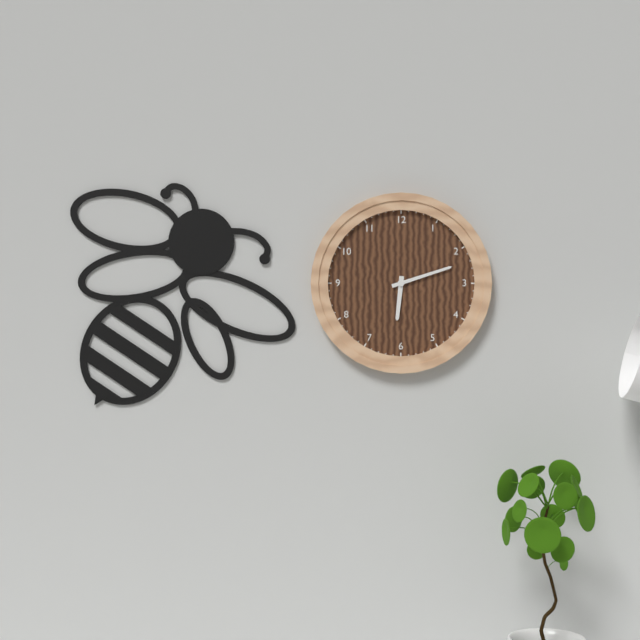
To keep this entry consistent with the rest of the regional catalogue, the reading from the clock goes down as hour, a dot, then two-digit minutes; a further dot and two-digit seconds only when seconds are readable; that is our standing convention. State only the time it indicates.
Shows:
6.12
